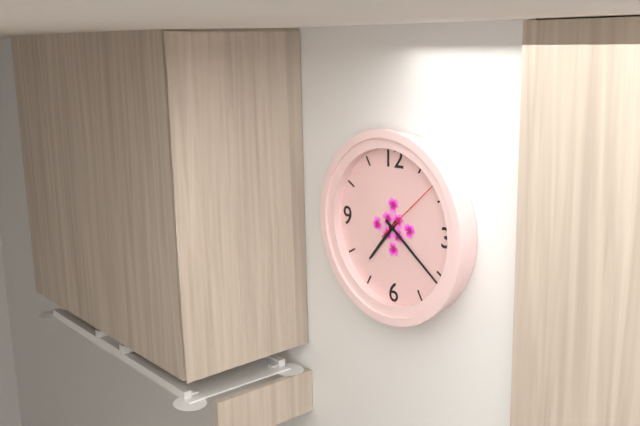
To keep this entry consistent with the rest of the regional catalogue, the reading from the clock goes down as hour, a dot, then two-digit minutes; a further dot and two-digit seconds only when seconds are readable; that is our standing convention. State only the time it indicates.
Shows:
7.21.08
